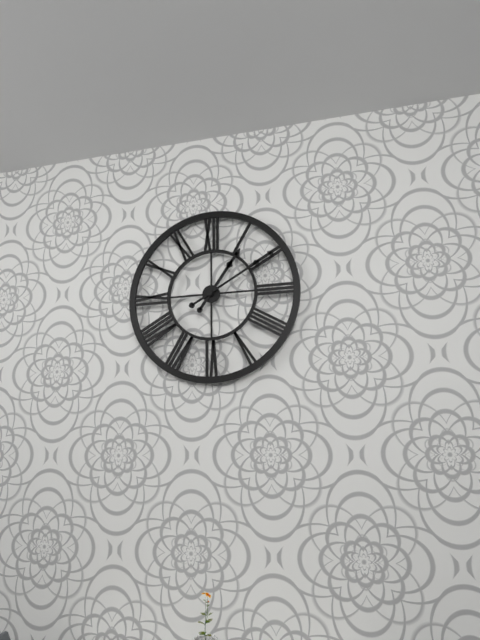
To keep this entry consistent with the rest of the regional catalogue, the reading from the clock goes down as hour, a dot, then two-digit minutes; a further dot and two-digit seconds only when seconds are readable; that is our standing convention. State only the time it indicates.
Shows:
1.10
